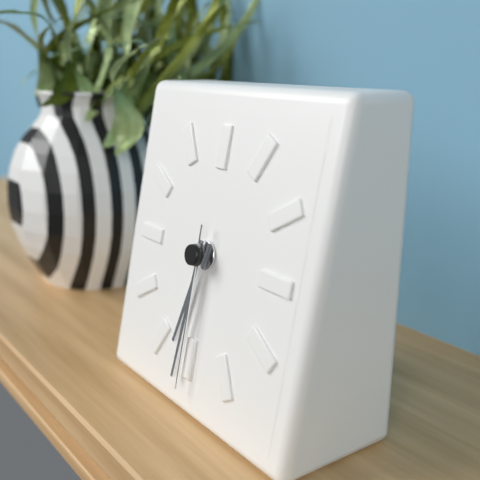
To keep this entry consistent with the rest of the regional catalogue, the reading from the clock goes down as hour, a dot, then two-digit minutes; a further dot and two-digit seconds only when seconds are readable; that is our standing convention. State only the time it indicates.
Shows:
6.31.30
